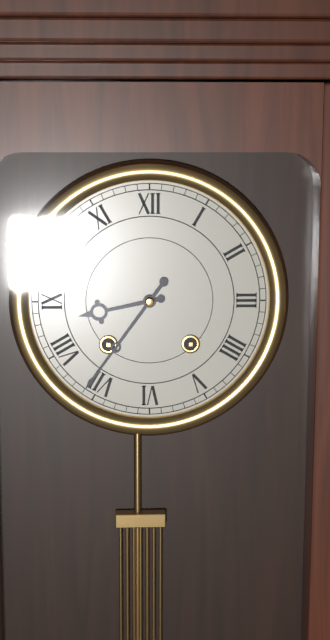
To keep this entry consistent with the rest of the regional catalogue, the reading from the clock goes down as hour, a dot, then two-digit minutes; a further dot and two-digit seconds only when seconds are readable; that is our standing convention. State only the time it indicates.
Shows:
8.36
